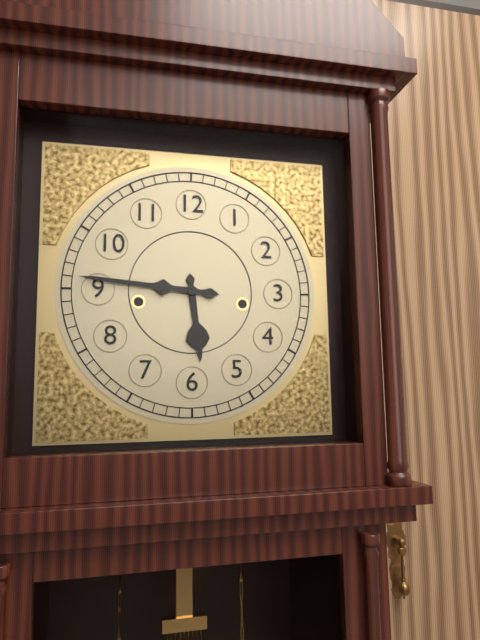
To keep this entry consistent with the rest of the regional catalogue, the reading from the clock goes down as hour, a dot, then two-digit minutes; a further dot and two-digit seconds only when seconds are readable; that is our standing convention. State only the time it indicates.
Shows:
5.46
